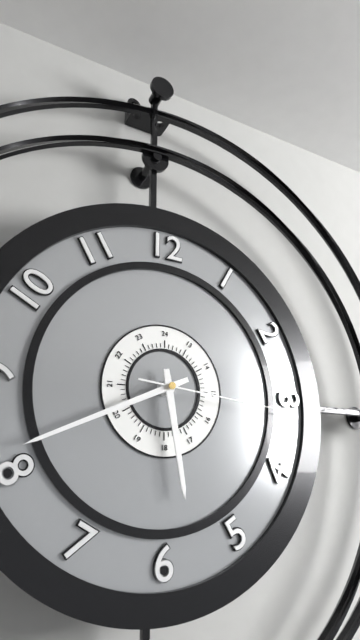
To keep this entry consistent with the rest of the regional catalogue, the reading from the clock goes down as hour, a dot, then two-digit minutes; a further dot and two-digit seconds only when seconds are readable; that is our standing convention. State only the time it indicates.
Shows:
5.41.16
